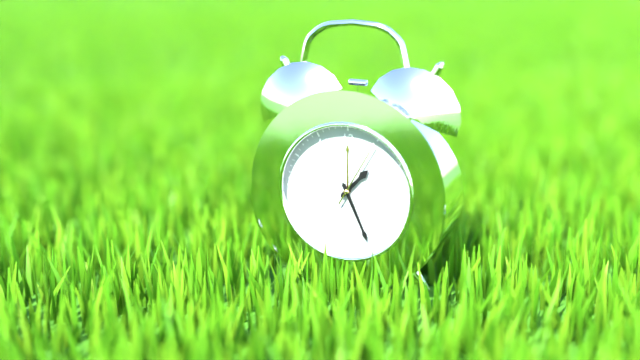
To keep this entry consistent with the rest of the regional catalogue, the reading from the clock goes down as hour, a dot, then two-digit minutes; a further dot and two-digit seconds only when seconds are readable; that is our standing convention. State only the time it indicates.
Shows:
1.26.05
